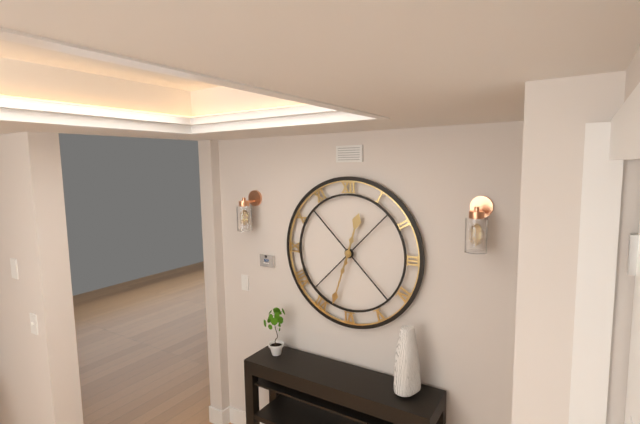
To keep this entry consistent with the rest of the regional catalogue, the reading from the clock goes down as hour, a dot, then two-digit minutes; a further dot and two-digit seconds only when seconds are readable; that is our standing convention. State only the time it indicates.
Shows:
12.33
